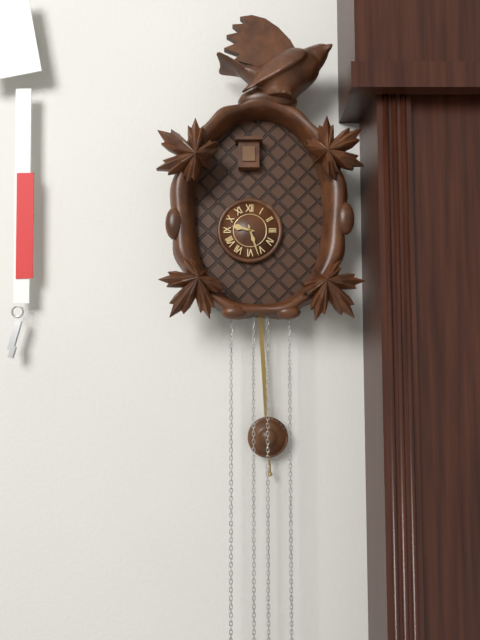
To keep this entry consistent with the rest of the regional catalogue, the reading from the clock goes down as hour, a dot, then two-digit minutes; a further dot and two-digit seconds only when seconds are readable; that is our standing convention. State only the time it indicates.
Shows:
9.27
